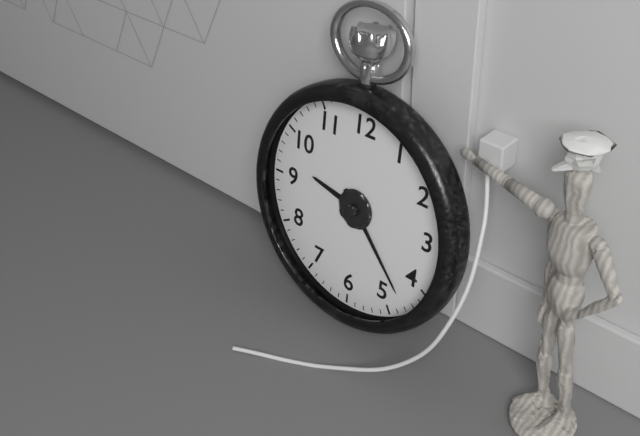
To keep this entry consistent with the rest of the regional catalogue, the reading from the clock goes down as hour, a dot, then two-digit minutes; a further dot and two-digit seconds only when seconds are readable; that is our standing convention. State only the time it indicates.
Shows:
9.23
